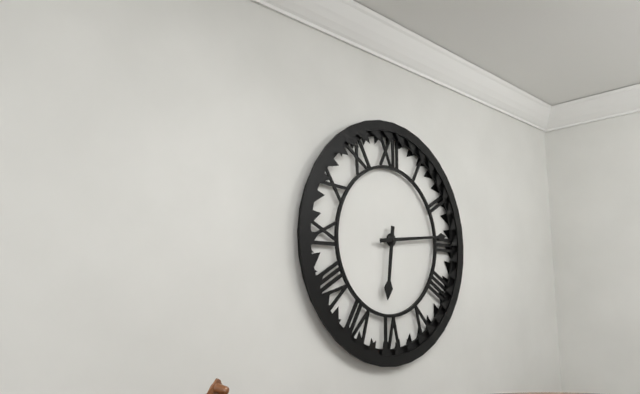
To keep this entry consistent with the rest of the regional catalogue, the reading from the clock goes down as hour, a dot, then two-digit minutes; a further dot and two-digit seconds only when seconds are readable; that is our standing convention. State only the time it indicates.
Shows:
6.14
